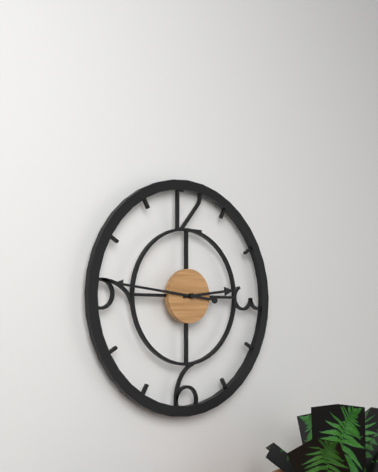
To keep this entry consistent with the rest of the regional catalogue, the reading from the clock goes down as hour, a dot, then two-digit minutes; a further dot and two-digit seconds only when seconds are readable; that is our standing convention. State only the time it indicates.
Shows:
2.46
